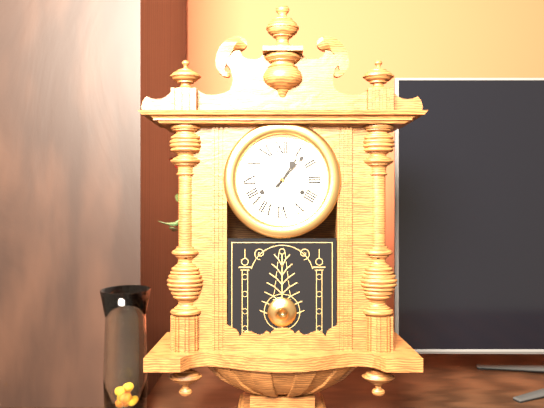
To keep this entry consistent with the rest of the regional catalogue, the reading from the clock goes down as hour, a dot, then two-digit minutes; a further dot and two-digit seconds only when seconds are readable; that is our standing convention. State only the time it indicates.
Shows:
1.07
